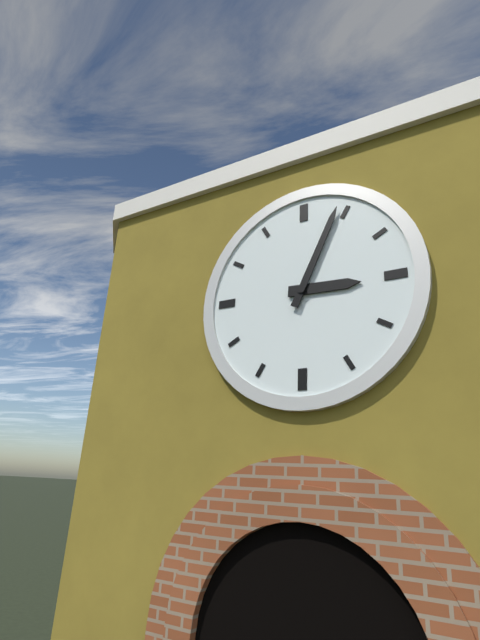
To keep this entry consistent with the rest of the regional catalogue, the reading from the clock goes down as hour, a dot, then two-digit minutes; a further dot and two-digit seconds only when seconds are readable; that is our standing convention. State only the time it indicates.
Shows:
3.04
